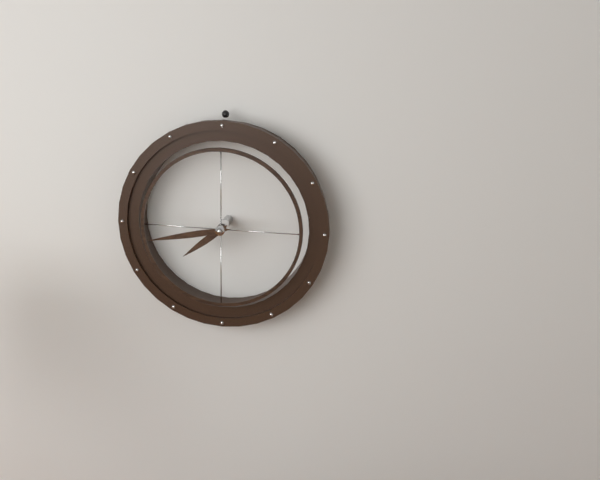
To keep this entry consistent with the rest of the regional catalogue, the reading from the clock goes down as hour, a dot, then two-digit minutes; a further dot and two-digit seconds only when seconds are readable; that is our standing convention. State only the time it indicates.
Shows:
7.43
